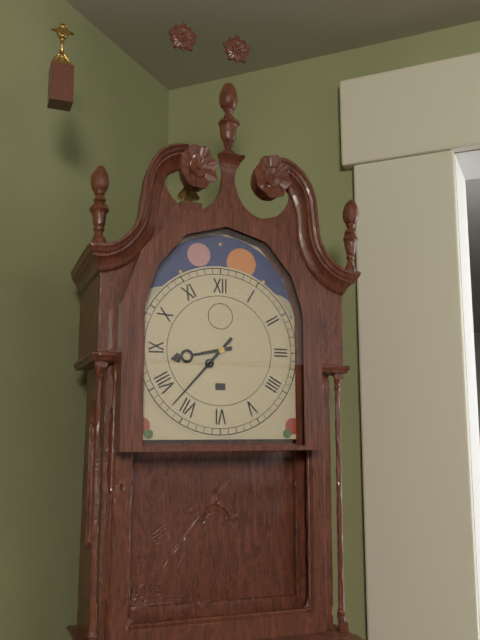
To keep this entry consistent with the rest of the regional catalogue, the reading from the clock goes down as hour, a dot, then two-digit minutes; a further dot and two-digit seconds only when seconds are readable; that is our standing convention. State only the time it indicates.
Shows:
8.37
